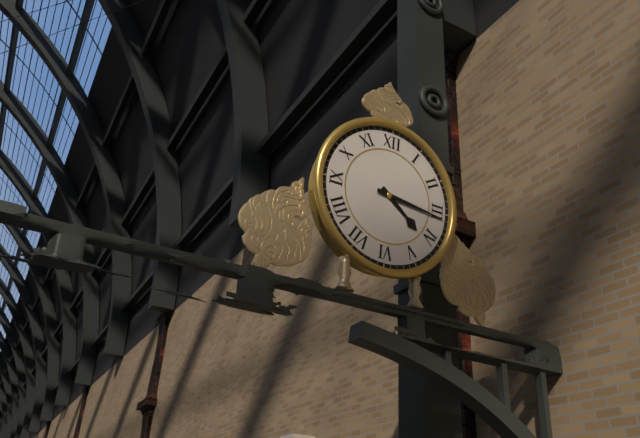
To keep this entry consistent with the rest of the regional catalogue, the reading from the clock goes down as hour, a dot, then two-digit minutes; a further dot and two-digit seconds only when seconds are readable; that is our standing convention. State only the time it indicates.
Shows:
4.16
